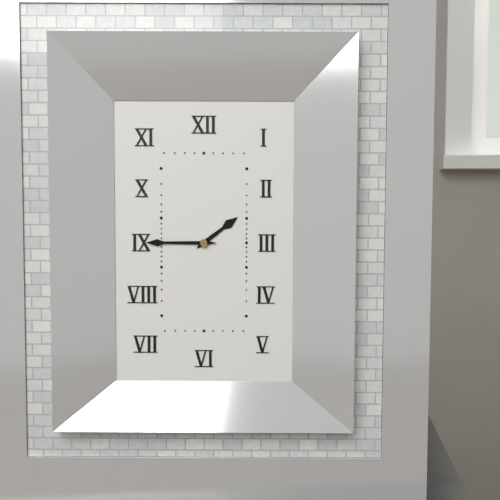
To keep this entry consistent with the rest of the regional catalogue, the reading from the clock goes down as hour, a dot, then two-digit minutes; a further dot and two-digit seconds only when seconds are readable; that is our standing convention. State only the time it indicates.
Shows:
1.45
